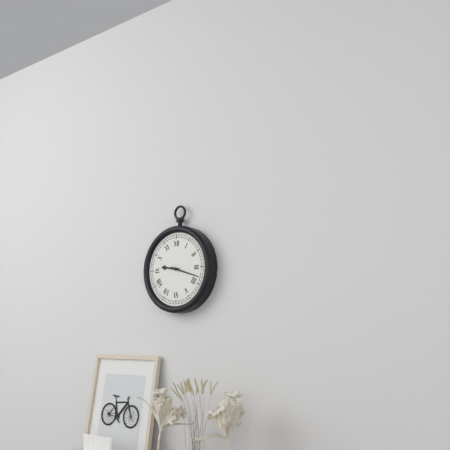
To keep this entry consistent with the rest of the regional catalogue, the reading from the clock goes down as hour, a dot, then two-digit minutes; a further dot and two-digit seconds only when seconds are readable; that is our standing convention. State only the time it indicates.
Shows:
9.18
